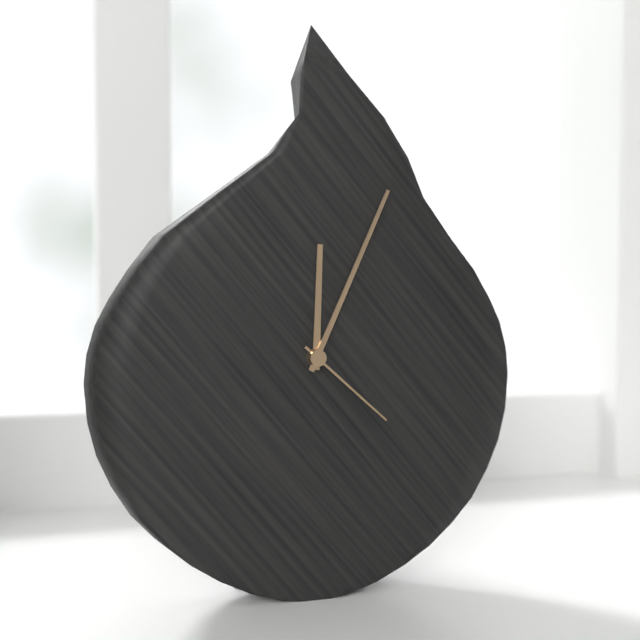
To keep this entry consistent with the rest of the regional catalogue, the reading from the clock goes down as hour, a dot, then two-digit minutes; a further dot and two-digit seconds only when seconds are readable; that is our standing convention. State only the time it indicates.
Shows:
12.04.22
